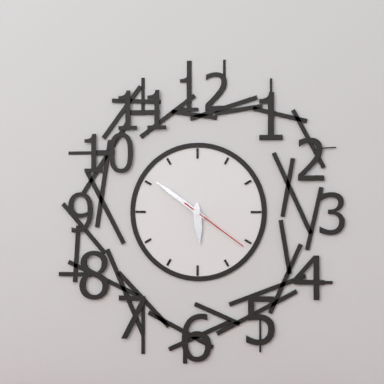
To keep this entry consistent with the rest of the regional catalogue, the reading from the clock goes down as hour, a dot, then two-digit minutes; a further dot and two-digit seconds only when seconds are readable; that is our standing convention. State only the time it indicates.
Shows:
5.51.21
